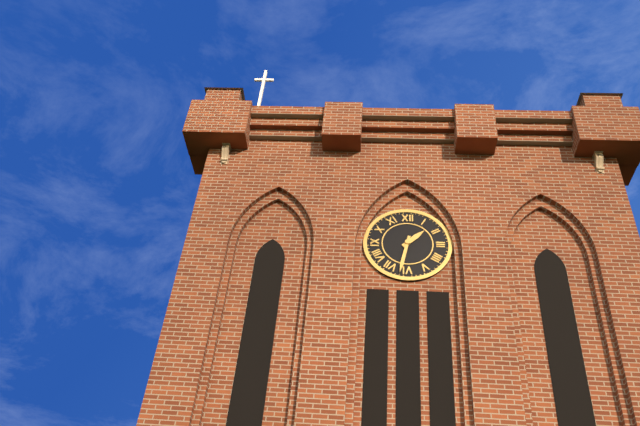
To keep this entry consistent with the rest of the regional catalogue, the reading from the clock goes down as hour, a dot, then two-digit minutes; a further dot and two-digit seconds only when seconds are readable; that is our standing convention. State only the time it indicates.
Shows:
1.32
